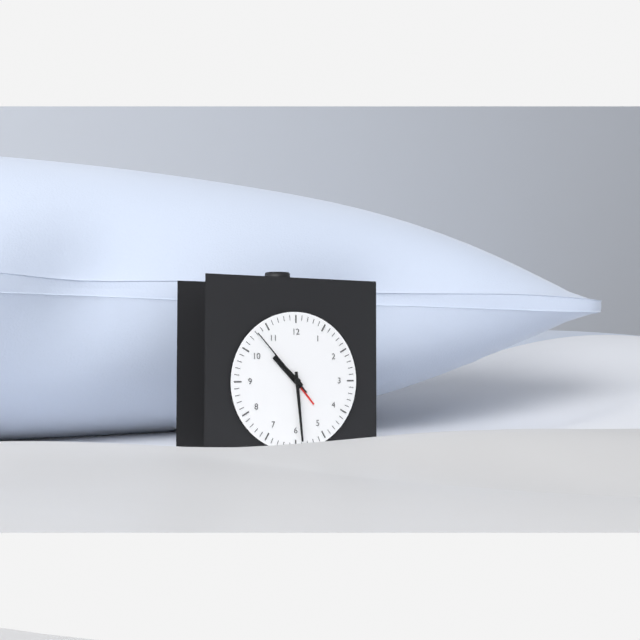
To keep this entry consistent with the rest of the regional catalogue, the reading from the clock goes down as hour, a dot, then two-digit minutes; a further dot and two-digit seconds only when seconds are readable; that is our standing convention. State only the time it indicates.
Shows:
10.29.53
